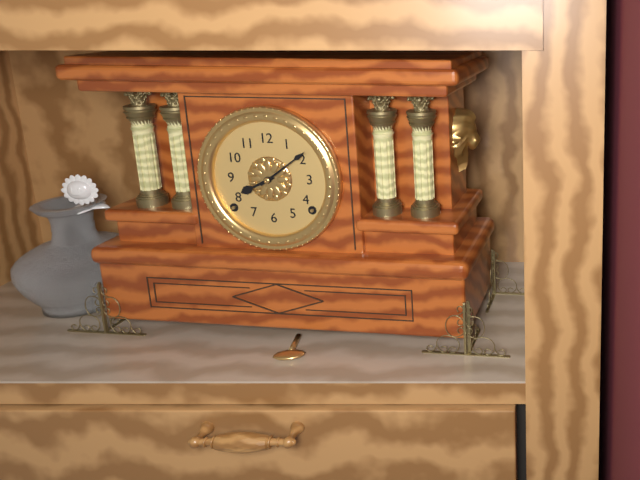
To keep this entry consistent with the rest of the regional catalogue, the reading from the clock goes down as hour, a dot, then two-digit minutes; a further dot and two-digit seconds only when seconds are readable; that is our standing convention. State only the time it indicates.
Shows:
8.09
